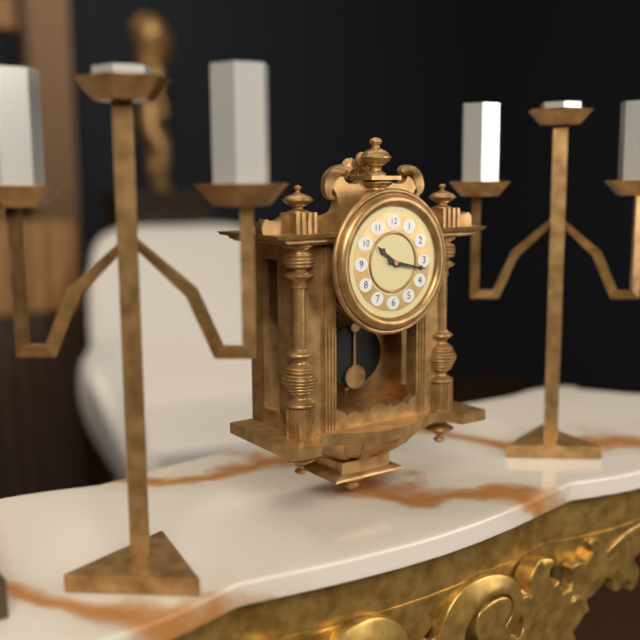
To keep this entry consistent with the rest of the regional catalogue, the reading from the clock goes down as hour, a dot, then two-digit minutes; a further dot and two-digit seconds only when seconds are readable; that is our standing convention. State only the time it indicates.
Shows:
10.17
